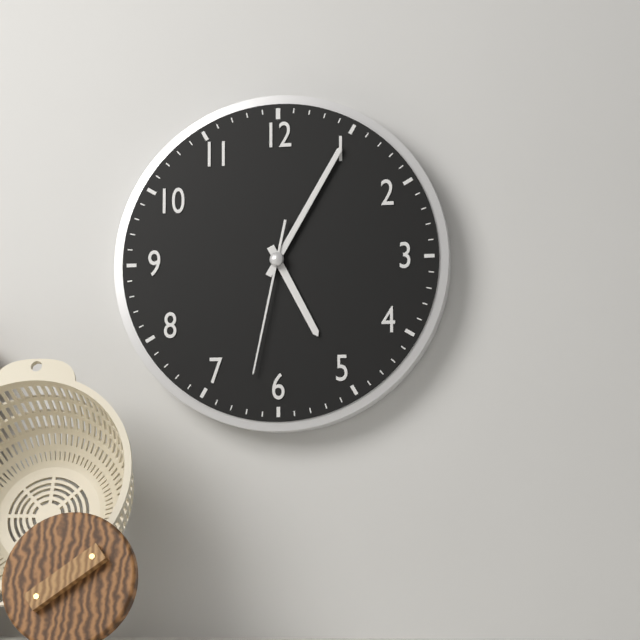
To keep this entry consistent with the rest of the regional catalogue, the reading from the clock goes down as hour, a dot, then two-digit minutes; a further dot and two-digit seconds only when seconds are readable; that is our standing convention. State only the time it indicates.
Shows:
5.05.32
